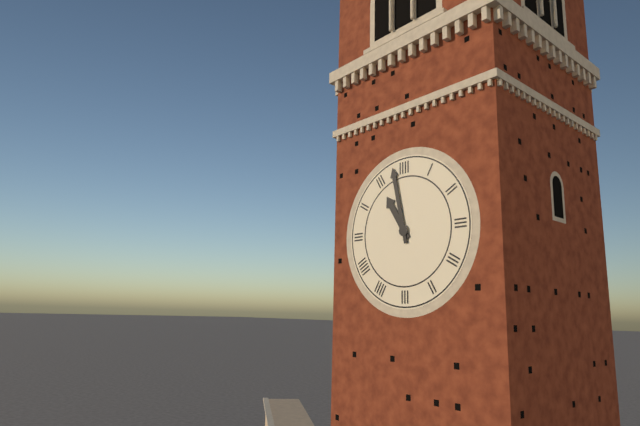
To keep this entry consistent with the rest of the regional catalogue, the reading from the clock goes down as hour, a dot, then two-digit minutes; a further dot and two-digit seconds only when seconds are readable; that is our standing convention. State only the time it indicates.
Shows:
10.58
